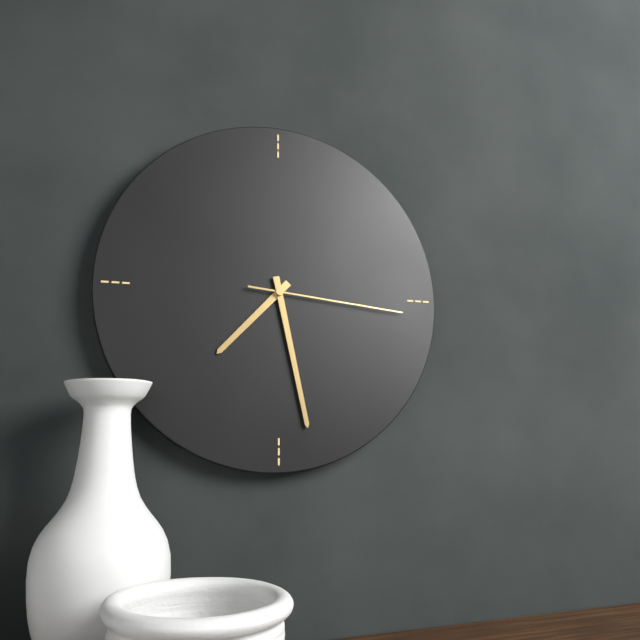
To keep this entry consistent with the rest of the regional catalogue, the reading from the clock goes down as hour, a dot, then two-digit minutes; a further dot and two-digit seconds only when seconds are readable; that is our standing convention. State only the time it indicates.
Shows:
7.28.16
